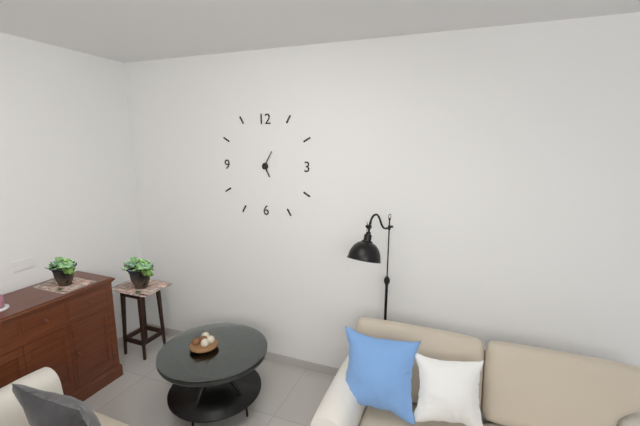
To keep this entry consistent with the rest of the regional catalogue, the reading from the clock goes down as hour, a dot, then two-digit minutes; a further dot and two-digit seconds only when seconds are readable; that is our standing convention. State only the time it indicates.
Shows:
5.05
